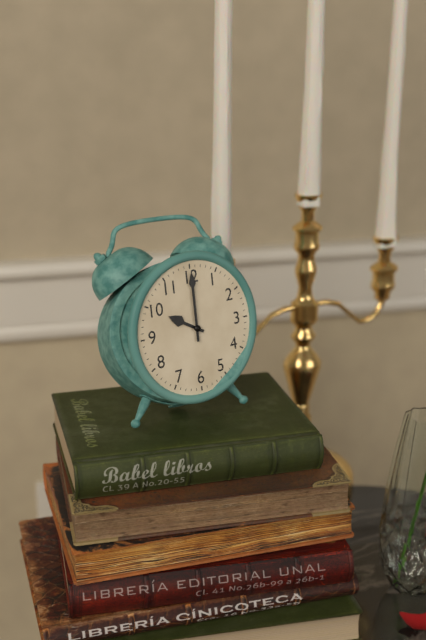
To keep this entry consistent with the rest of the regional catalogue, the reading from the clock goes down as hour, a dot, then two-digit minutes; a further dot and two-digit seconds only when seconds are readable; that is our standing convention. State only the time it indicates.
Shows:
10.00
